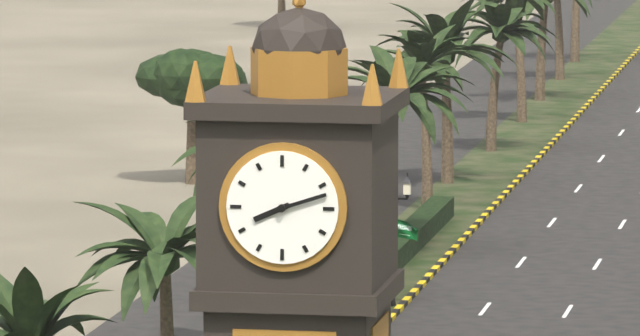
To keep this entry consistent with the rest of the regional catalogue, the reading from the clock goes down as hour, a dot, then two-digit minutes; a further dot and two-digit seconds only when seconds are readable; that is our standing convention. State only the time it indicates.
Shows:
8.12
